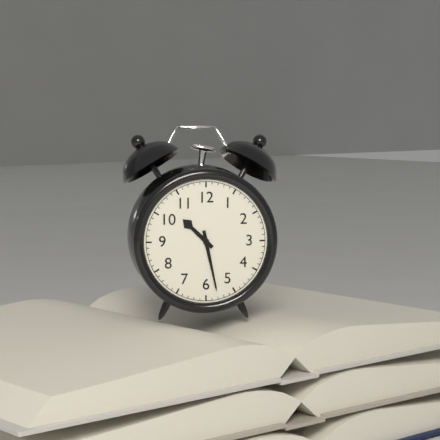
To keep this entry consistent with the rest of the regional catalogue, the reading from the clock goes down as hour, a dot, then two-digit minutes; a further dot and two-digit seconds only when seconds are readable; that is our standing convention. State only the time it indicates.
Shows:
10.28
